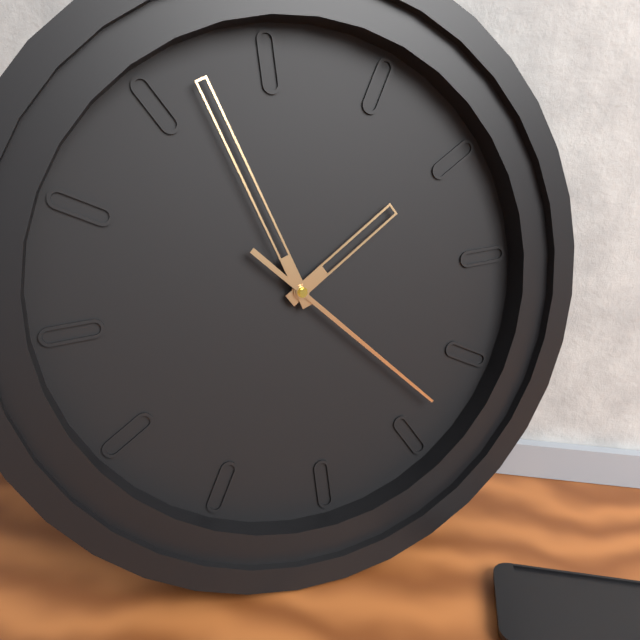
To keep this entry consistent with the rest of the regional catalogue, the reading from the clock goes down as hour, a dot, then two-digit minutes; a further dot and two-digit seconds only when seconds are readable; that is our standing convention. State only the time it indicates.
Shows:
1.57.23
